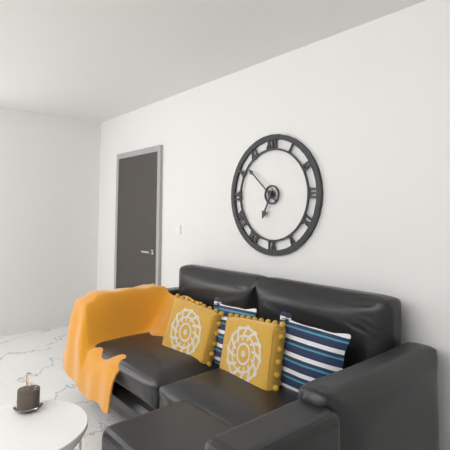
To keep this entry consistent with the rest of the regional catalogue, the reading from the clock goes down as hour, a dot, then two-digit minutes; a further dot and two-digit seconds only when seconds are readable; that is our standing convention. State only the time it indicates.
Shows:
6.52
